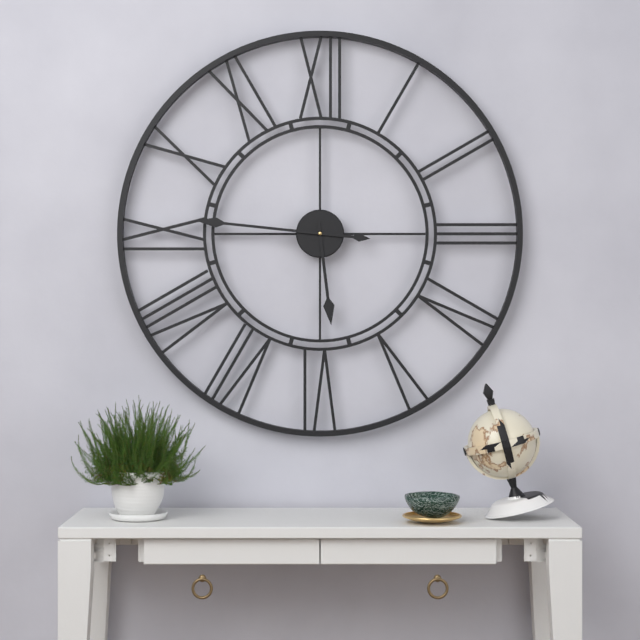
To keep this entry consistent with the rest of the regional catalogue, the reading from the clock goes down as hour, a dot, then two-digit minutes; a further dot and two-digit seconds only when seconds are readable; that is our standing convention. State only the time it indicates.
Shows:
5.46
